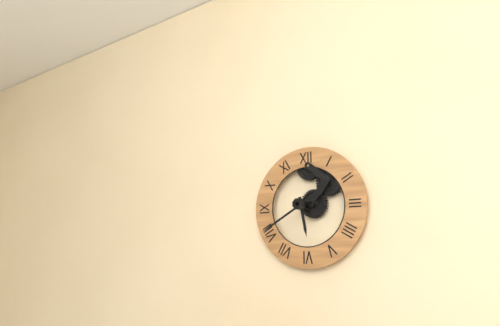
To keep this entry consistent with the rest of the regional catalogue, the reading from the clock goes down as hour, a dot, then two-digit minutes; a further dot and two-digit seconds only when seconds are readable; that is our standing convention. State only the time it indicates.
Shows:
5.40
